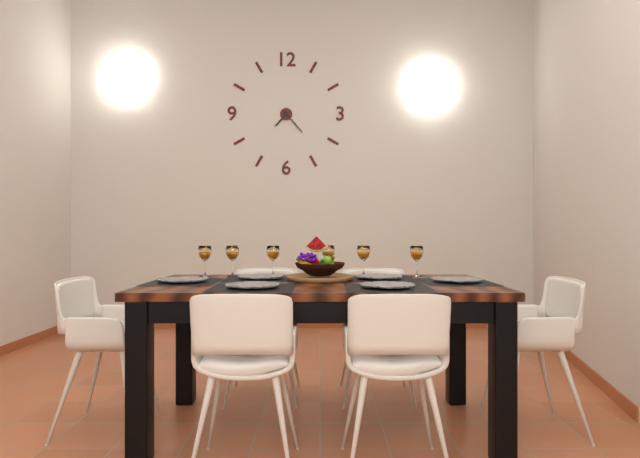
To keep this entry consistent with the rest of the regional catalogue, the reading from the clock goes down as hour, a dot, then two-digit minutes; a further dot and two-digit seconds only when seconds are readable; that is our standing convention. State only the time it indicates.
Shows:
7.23
